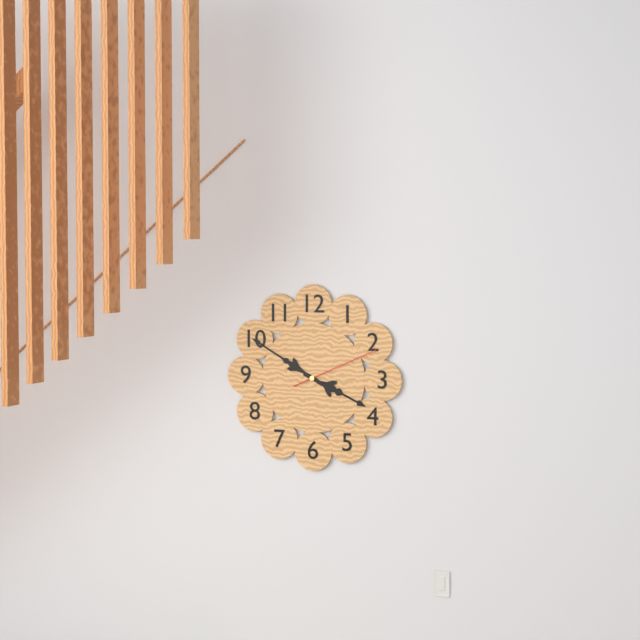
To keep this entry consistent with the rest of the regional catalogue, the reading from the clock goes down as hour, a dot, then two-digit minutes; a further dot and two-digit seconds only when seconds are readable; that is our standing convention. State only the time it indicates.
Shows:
3.50.11
